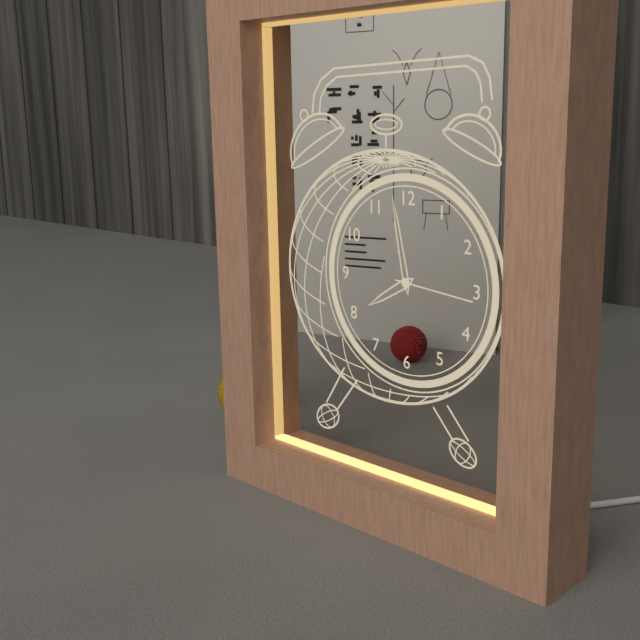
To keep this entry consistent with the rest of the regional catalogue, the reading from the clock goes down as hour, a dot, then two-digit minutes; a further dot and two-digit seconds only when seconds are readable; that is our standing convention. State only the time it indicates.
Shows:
7.58.16
